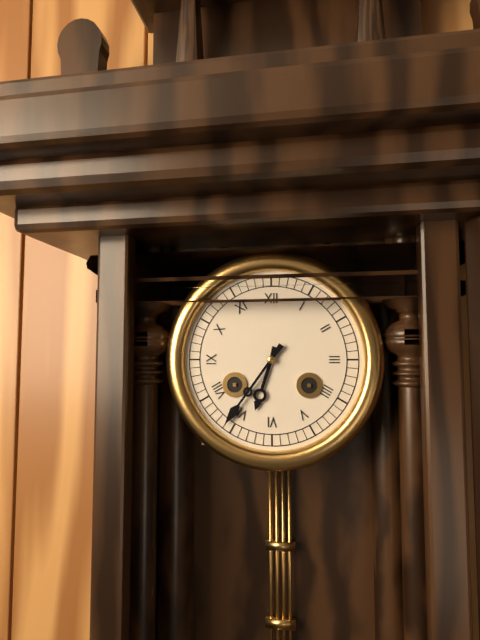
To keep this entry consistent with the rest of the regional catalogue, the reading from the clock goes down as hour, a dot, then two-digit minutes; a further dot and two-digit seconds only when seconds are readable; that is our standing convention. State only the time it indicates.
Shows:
6.36
